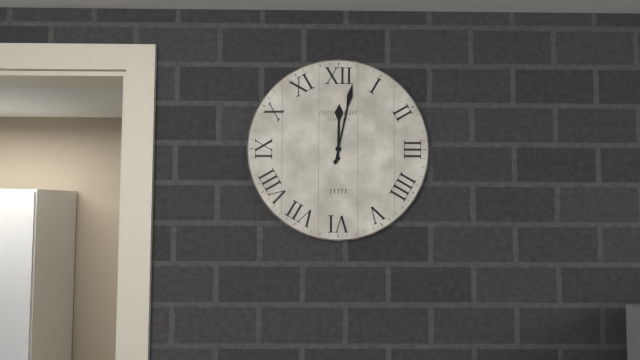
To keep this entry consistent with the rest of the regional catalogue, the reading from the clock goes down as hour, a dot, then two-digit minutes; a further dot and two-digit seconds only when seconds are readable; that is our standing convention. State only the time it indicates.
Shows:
12.02
